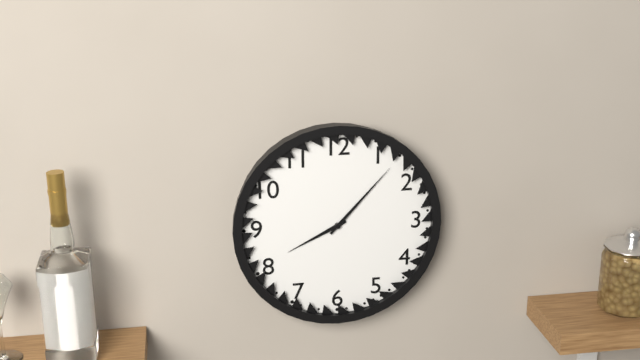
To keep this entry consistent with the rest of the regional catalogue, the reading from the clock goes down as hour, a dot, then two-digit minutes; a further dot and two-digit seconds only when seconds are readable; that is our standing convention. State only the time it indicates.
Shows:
8.07
